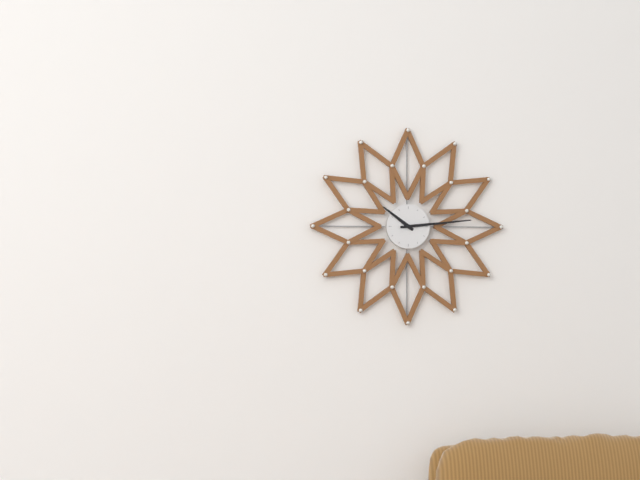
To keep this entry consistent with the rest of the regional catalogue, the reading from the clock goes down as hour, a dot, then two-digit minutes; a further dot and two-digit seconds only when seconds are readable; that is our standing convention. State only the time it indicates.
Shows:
10.14
